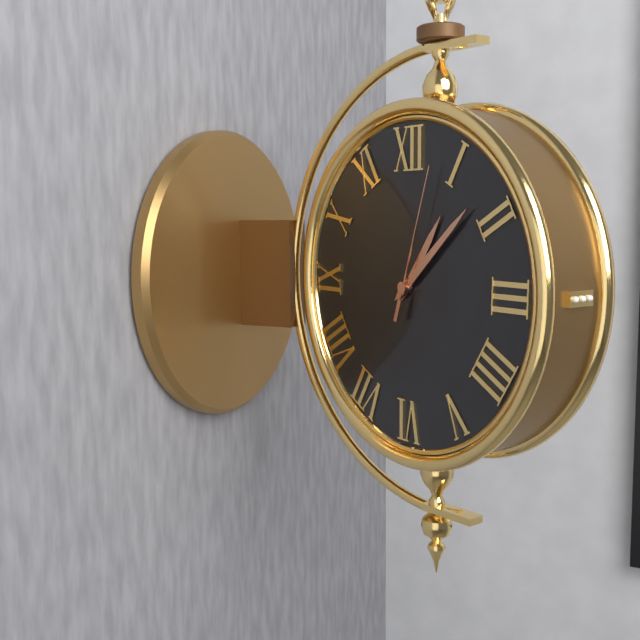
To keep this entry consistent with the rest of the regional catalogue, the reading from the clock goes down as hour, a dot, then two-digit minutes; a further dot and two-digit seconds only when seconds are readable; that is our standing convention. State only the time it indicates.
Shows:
1.08.03
